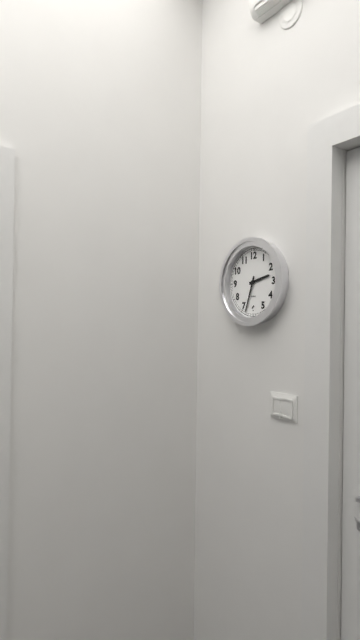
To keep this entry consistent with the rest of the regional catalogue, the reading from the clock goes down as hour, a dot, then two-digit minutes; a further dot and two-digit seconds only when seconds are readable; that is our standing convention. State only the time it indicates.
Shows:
2.33
